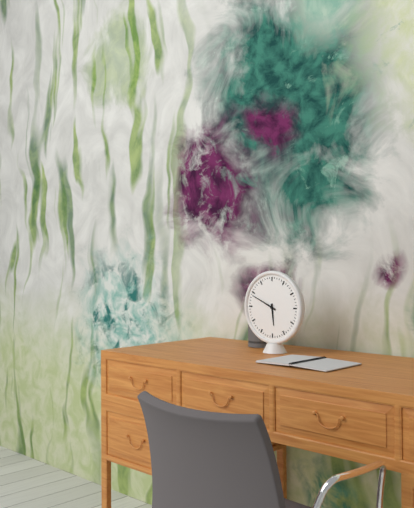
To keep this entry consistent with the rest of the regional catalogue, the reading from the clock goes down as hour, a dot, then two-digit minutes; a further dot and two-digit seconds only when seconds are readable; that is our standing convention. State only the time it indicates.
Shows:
5.49
